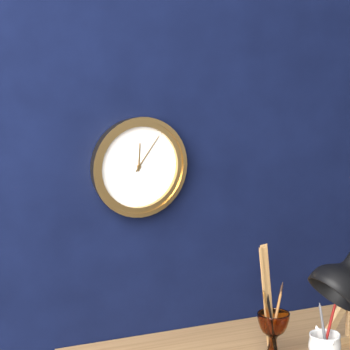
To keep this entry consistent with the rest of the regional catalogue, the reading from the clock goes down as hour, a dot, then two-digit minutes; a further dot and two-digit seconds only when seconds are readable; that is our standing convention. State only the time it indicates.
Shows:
12.06
